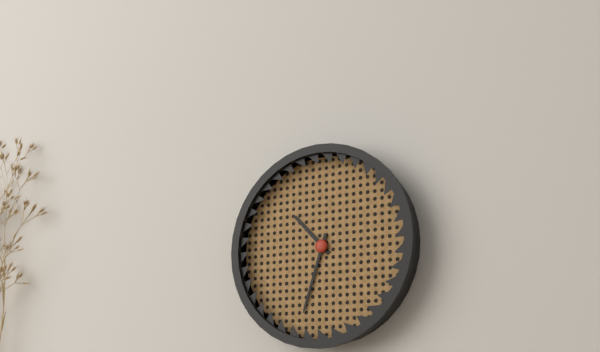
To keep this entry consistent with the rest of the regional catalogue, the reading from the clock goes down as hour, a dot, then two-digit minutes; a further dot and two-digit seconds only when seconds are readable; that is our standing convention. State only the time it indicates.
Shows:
10.33
